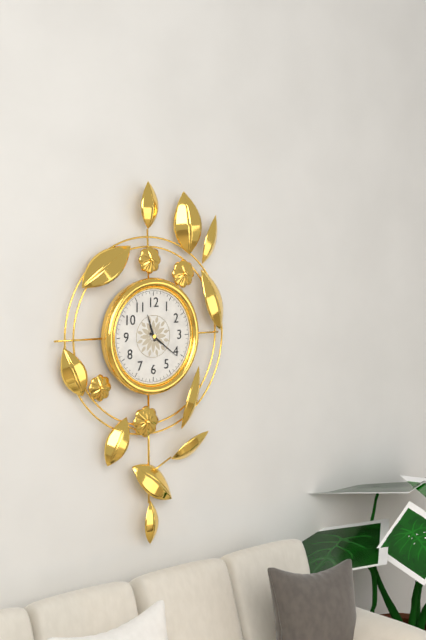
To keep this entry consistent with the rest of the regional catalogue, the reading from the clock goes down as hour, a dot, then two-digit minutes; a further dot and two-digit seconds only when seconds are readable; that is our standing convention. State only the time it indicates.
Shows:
11.21
